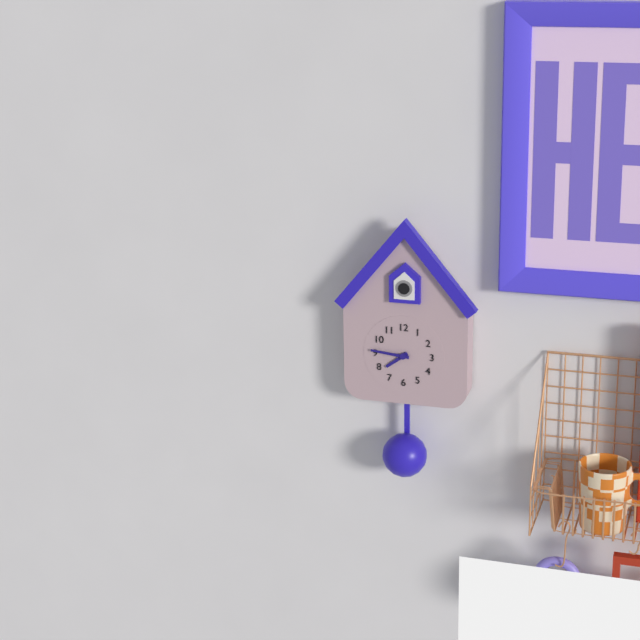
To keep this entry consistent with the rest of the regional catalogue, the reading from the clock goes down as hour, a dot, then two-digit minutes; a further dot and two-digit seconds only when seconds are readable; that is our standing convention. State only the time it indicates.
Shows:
7.46
